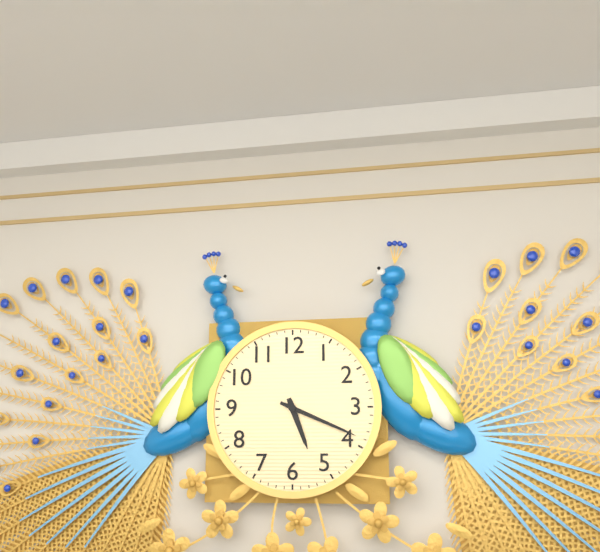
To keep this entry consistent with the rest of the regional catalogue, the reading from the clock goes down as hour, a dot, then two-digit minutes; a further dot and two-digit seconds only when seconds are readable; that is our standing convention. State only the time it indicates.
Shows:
5.19
